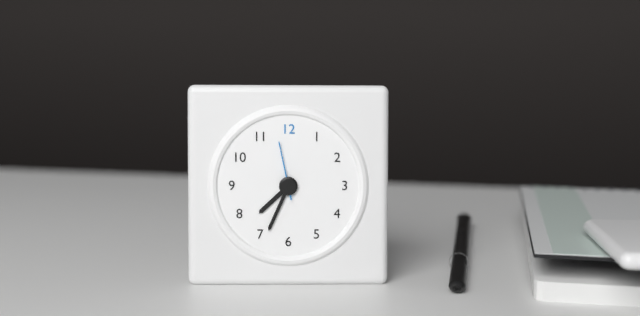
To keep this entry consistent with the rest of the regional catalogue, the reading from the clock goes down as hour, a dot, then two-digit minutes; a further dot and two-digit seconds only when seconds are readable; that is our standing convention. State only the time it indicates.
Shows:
7.34.58
